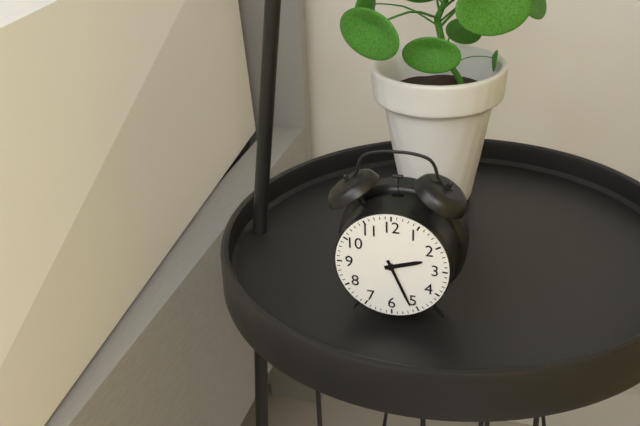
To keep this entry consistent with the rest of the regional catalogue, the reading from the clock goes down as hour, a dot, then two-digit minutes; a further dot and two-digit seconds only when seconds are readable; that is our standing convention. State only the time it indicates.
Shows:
2.26
